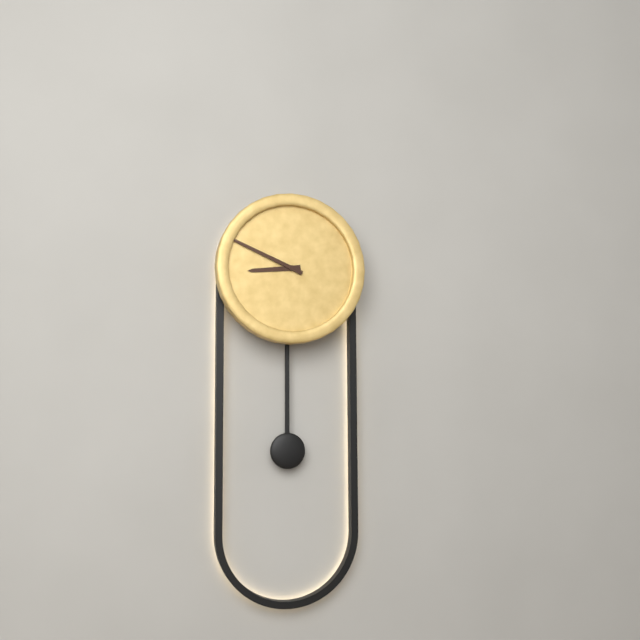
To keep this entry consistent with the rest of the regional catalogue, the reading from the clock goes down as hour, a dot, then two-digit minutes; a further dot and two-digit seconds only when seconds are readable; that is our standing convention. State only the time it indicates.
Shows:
8.49
